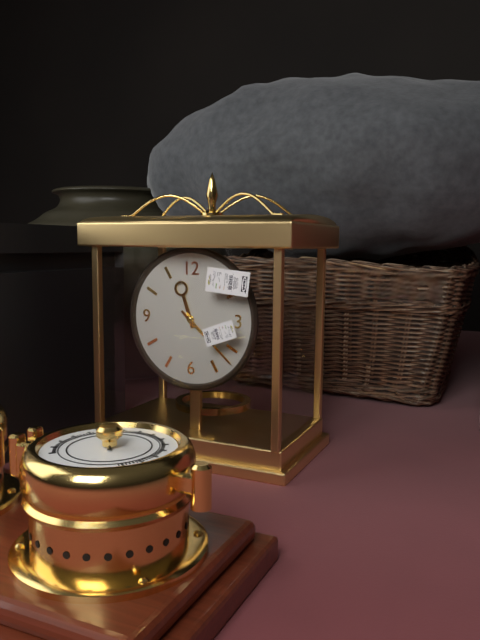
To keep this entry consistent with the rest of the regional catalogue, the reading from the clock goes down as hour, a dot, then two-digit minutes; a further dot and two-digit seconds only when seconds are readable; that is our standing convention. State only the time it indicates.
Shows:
11.22
